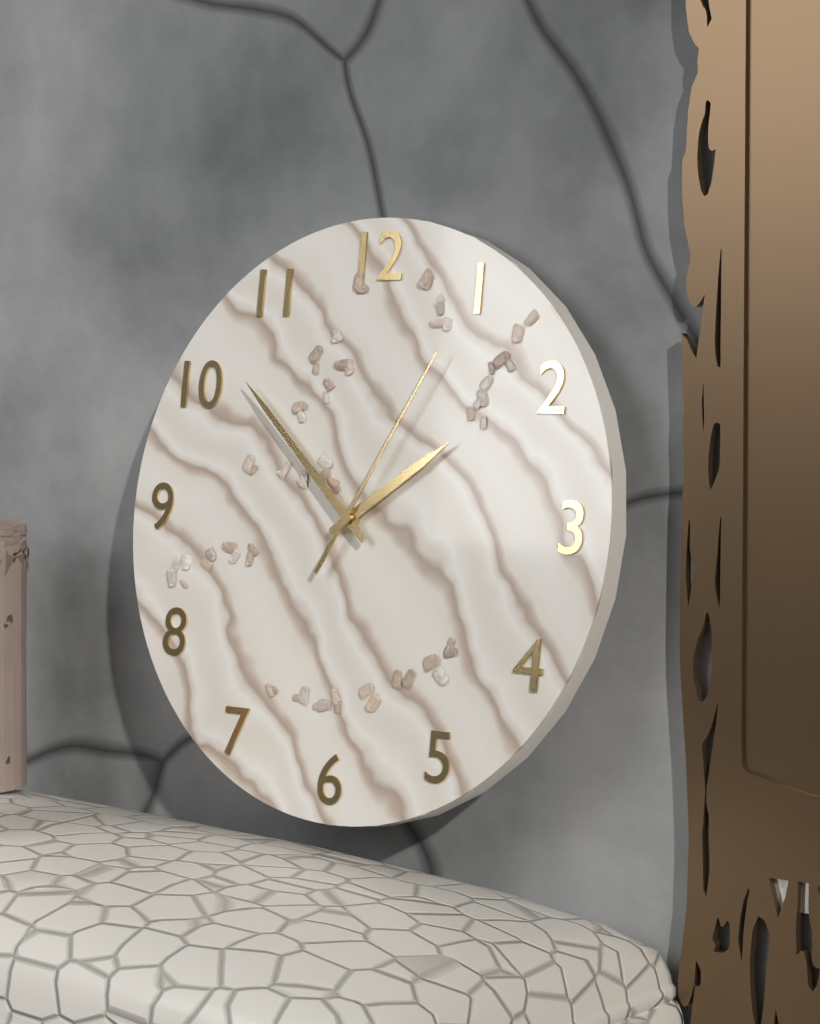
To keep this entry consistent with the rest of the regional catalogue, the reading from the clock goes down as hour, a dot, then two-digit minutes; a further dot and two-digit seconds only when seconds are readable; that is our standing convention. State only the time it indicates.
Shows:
1.52.05
